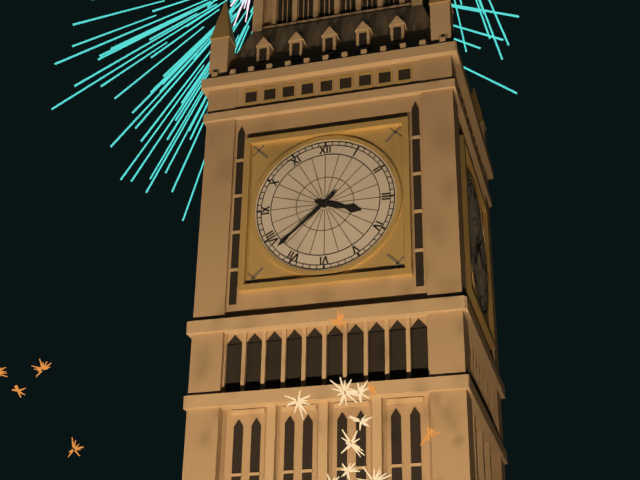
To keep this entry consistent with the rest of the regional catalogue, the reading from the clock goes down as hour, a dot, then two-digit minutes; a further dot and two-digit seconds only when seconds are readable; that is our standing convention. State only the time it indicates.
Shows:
3.38
